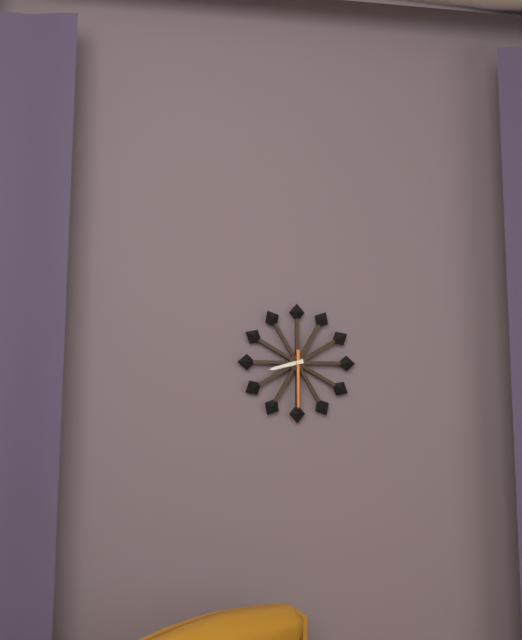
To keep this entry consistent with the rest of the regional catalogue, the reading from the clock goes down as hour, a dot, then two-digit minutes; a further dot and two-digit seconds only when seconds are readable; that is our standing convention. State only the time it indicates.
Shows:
8.30
